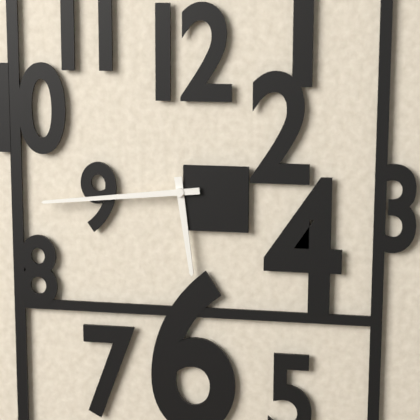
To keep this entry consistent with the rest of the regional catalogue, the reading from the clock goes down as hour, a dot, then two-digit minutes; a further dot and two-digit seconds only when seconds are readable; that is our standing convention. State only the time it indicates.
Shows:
5.44
